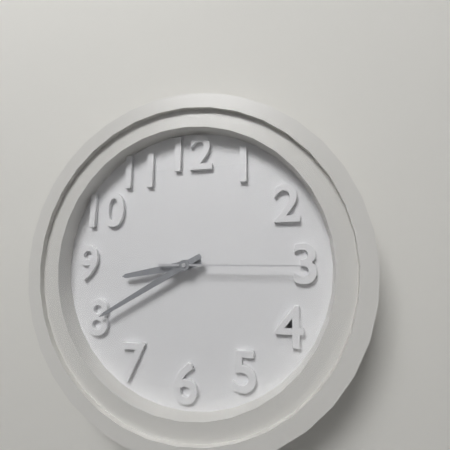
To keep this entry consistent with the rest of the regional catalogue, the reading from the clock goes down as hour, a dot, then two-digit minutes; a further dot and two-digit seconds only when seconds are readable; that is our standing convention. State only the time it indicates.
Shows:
8.40.15
